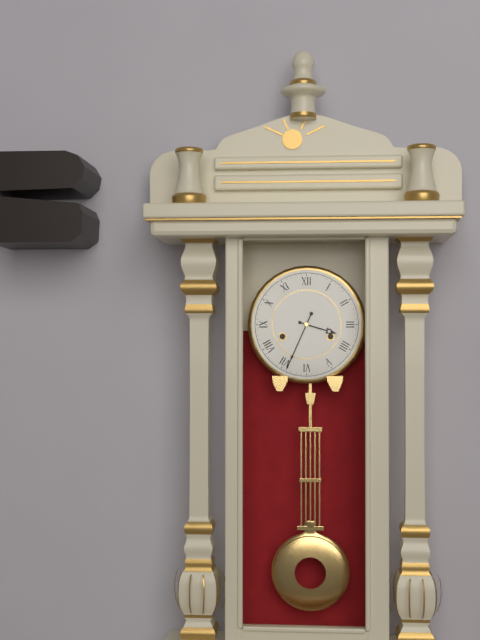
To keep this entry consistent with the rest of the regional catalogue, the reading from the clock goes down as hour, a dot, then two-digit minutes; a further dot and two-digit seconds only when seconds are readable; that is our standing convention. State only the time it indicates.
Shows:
3.34
